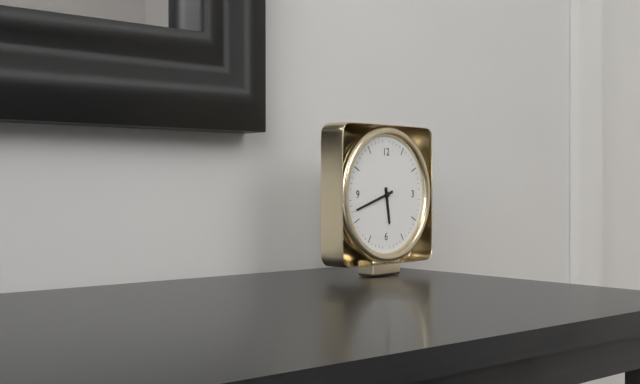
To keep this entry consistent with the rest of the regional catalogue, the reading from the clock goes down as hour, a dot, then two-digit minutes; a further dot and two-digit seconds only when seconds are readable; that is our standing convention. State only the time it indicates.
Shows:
5.42
